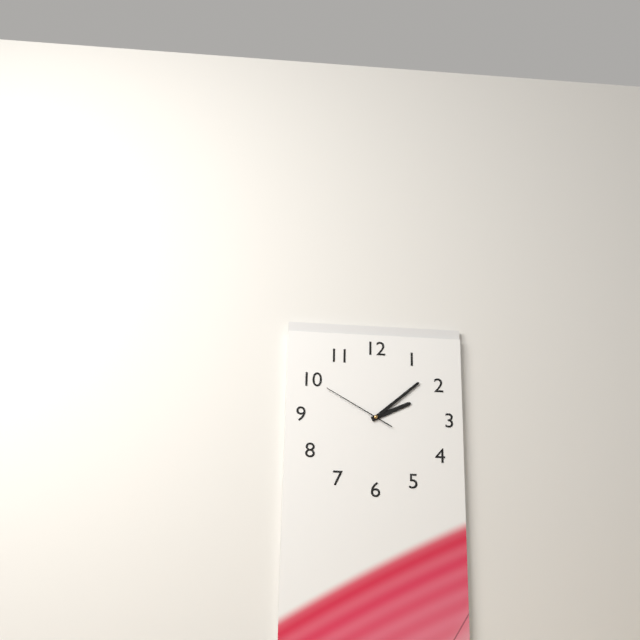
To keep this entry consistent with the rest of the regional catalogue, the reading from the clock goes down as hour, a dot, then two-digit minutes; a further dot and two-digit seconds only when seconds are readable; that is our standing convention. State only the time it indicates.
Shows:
2.08.50
